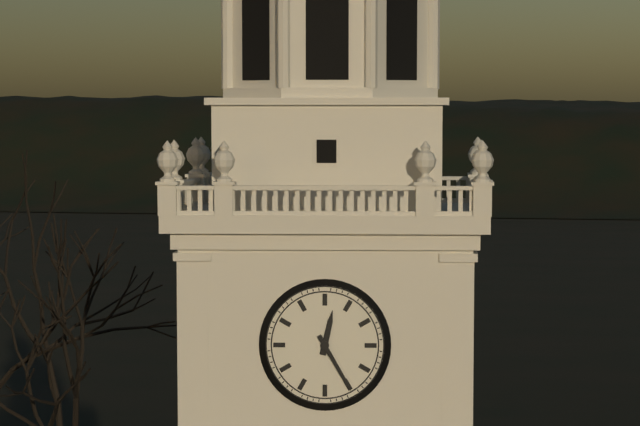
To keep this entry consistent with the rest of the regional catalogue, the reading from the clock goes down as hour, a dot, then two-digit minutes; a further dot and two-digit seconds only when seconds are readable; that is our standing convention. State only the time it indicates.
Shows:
12.25
